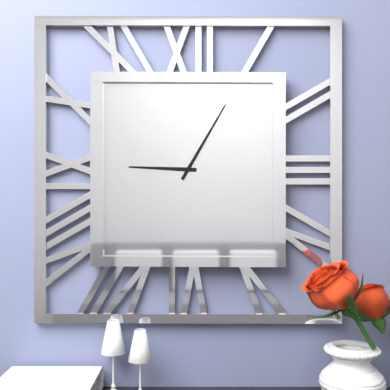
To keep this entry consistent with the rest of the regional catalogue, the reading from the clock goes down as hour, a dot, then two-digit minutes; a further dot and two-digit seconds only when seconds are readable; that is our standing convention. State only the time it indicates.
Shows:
9.05
